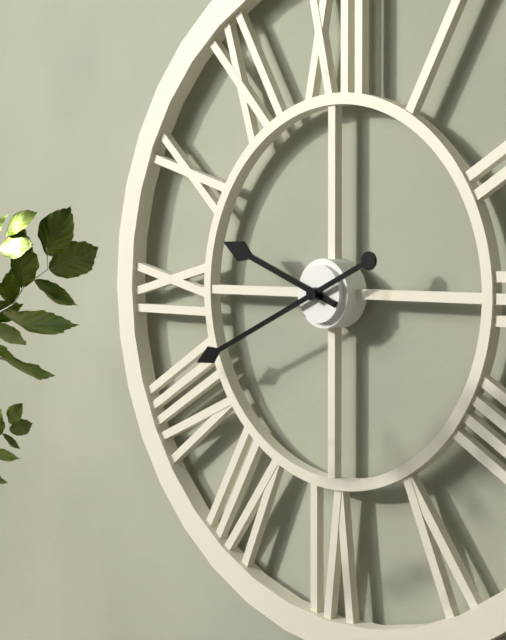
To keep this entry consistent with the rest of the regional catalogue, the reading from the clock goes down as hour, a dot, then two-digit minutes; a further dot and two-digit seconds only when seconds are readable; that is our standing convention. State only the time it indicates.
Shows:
9.41
